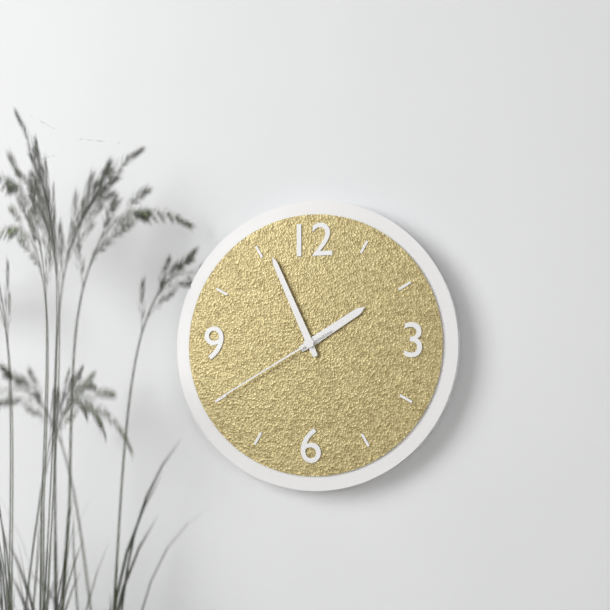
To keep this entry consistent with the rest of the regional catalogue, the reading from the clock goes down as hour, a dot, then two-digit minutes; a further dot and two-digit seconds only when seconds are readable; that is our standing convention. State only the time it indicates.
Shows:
1.56.40
